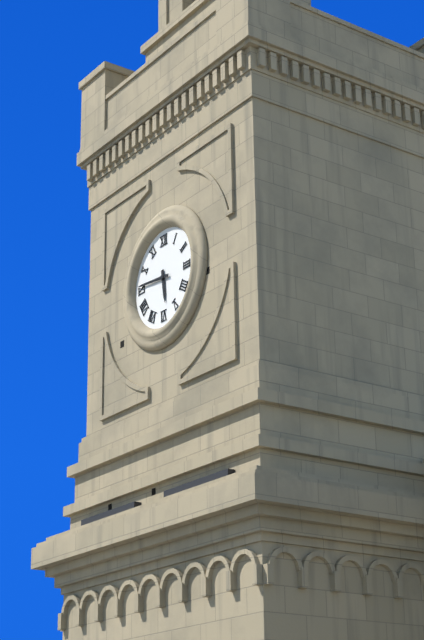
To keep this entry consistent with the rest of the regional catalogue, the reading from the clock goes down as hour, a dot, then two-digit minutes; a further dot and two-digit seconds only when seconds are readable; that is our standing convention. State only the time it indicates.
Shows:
5.46
